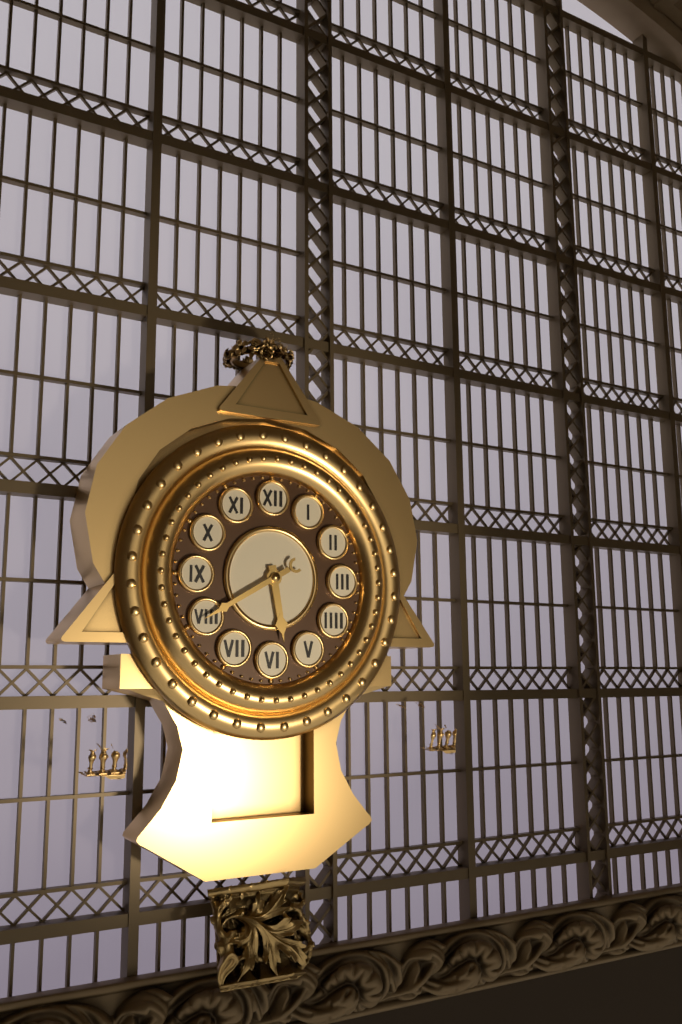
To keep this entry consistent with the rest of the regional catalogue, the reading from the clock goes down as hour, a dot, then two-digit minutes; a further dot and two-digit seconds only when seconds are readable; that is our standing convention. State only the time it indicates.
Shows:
5.40
